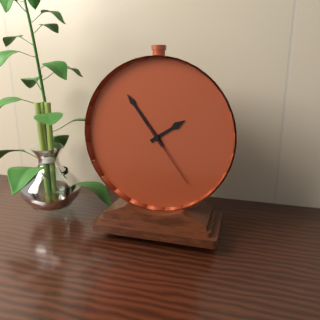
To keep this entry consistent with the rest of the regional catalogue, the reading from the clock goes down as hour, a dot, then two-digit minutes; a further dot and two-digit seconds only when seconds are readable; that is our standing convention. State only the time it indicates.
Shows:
1.54.24
